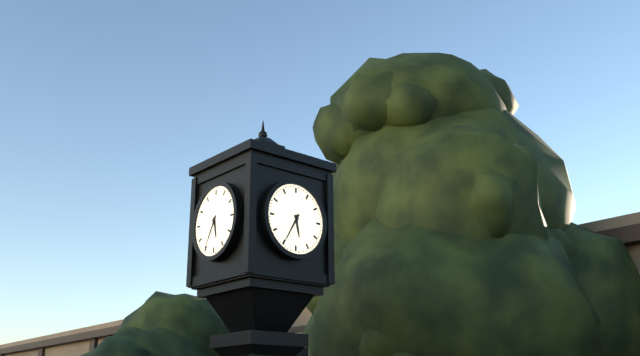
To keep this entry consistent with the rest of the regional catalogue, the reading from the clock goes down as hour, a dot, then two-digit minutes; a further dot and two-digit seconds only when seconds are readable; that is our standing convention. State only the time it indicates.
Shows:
5.35
